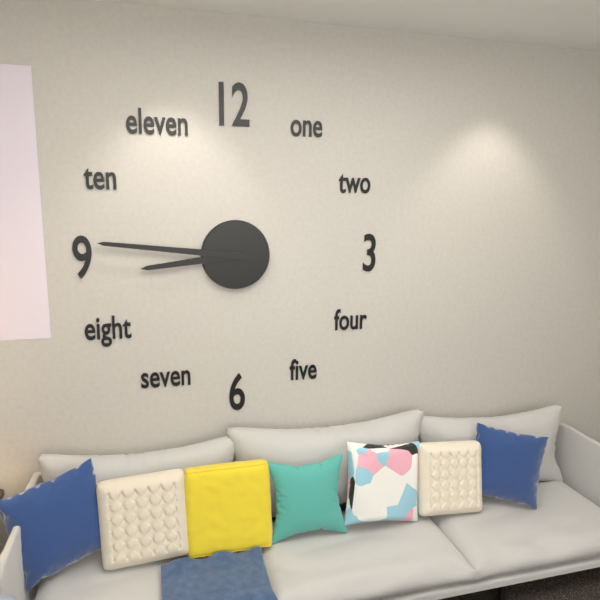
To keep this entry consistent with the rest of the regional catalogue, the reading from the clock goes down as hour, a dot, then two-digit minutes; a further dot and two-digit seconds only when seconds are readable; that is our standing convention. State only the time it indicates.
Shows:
8.46
